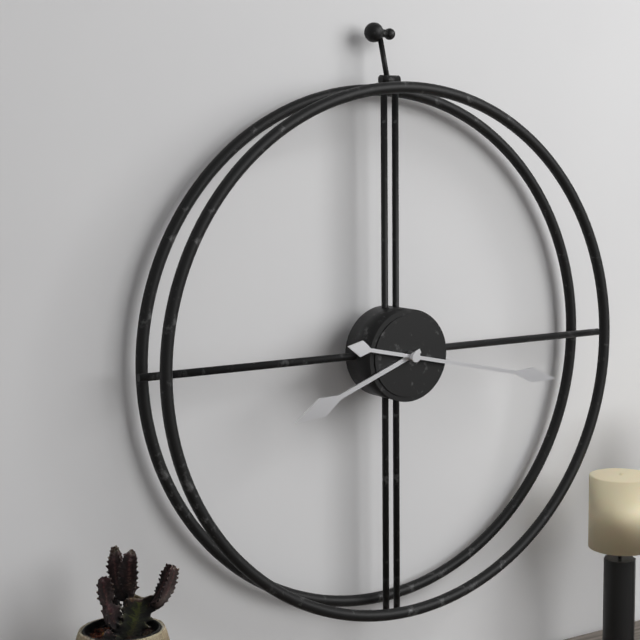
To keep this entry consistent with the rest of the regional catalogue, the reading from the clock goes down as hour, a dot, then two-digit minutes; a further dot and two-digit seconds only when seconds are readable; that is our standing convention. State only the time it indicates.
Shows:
8.17
